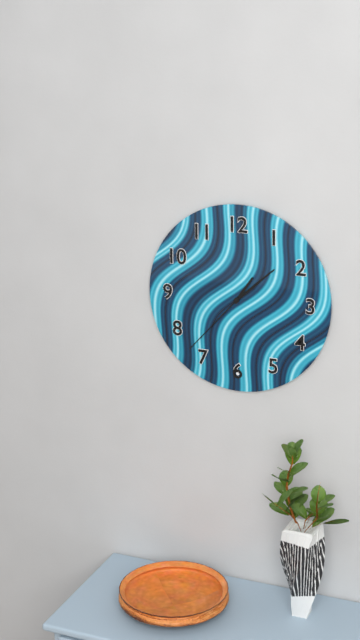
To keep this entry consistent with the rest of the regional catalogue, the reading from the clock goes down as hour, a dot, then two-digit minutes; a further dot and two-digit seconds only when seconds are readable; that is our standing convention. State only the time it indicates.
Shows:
1.08.37
